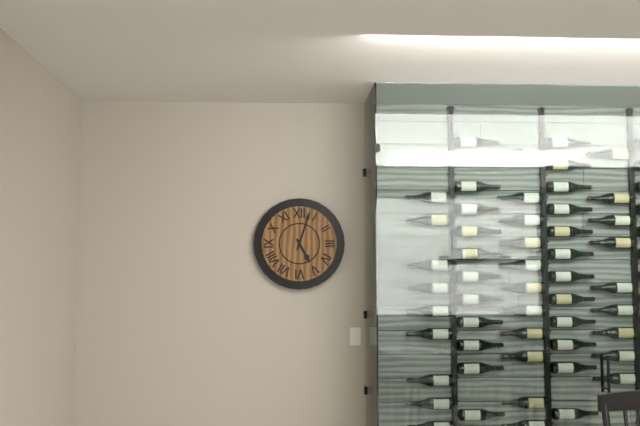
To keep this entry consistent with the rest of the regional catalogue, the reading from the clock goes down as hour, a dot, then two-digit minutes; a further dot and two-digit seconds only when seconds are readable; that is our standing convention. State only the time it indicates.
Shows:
5.03
